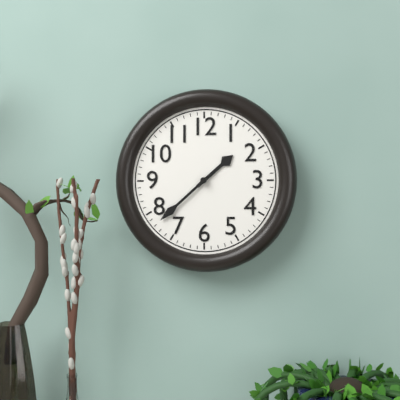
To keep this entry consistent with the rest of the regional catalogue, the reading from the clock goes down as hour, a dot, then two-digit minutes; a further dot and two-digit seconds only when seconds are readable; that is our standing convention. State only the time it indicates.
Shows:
1.38
